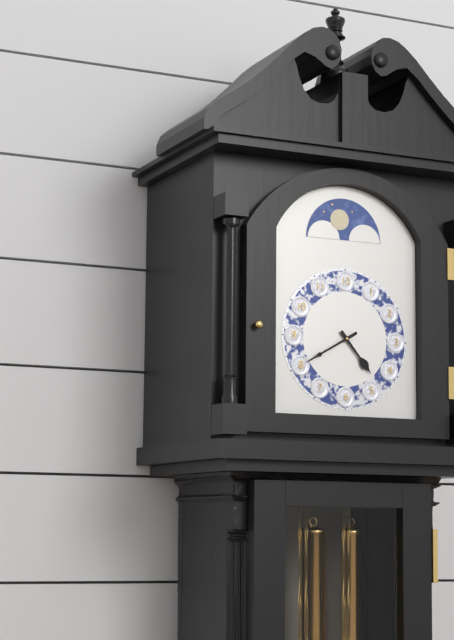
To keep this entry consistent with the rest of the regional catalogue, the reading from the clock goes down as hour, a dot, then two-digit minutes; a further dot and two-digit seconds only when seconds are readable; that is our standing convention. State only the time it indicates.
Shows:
4.40
